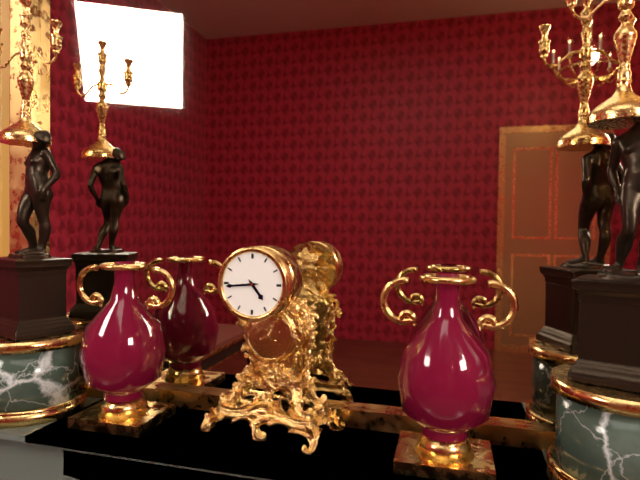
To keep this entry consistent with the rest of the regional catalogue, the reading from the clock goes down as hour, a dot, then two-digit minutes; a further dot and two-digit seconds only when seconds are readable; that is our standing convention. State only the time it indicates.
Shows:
4.44
